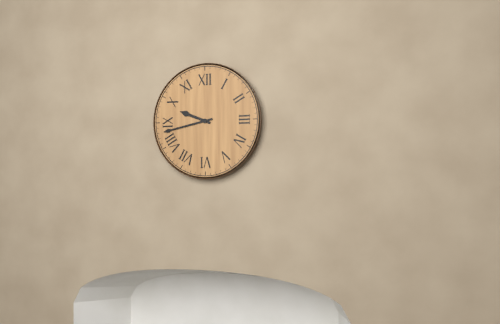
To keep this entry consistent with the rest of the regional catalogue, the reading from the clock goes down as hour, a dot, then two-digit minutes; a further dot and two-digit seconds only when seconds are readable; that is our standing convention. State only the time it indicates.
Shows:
9.43
